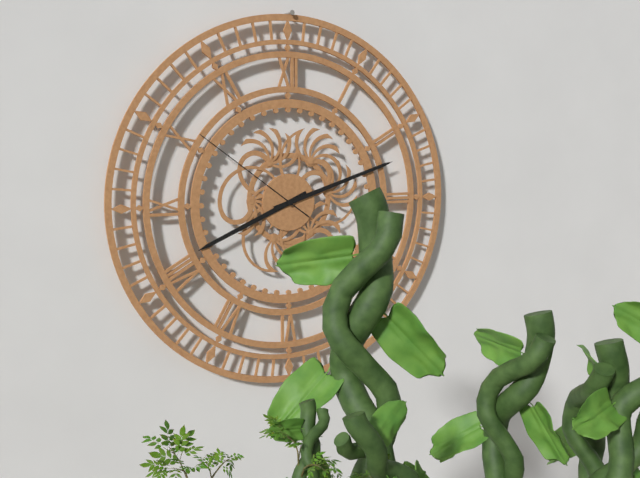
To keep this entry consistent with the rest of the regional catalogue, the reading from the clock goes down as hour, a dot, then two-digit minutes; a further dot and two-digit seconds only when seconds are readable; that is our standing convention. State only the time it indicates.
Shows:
8.12.51
